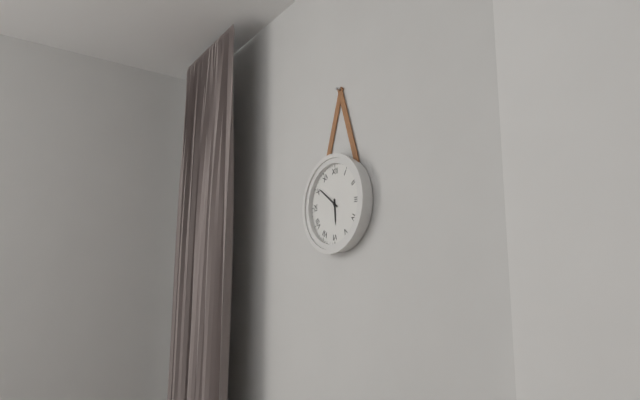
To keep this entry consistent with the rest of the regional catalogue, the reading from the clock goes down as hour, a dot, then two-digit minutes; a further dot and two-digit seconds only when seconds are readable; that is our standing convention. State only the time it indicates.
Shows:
5.51
